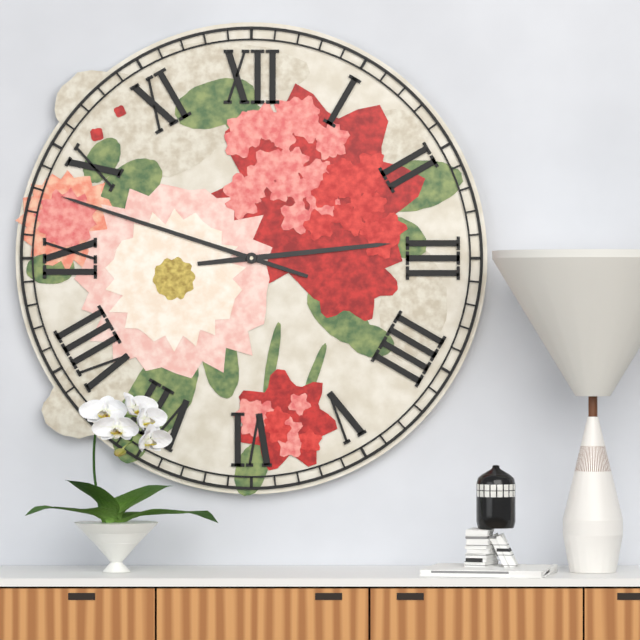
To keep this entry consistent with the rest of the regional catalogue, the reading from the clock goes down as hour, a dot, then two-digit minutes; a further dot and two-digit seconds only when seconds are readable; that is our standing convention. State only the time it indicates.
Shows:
2.48
